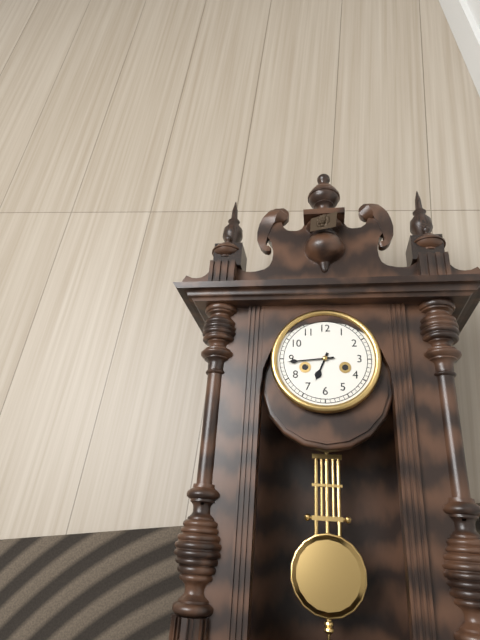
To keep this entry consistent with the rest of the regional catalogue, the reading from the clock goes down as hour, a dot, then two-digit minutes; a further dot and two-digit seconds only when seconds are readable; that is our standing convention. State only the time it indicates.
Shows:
6.44
